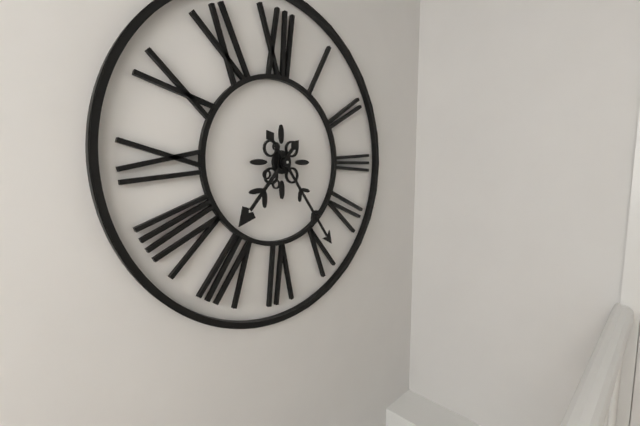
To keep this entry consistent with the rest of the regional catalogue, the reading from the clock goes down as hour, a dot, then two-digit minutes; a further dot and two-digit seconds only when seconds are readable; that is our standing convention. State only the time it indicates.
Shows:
7.24
